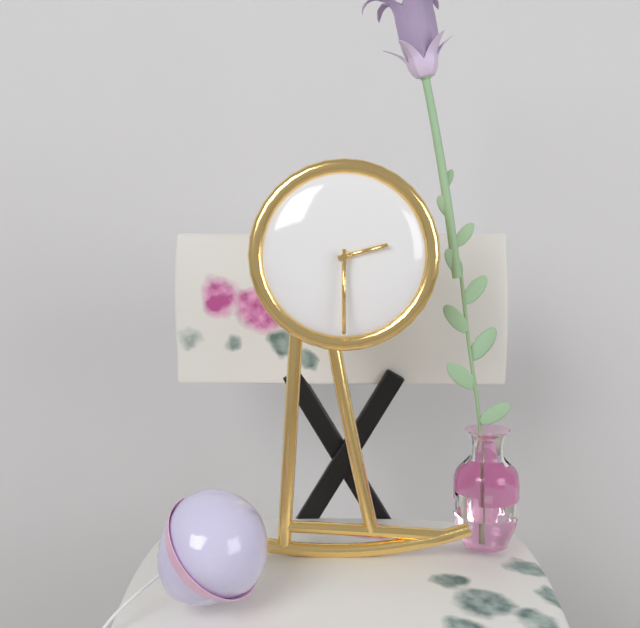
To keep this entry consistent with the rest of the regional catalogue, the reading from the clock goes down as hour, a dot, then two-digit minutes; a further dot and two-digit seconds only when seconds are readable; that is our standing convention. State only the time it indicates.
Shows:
2.30
